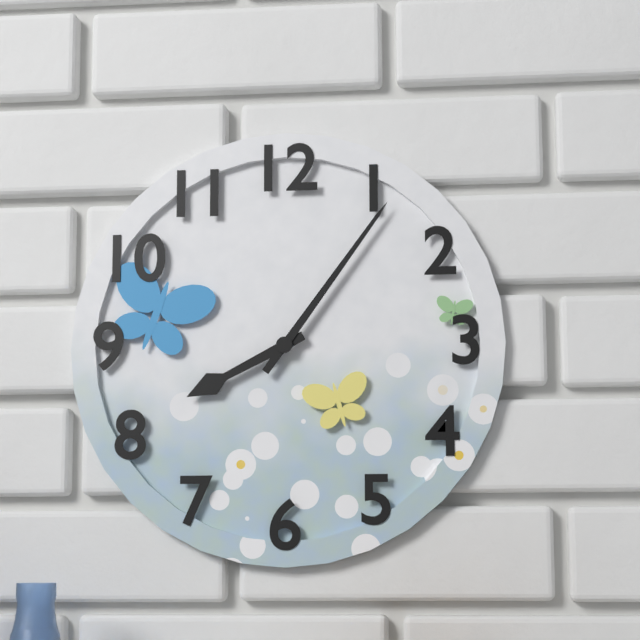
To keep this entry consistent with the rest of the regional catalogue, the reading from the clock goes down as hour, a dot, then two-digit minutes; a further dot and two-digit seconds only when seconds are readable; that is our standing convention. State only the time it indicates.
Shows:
8.06
